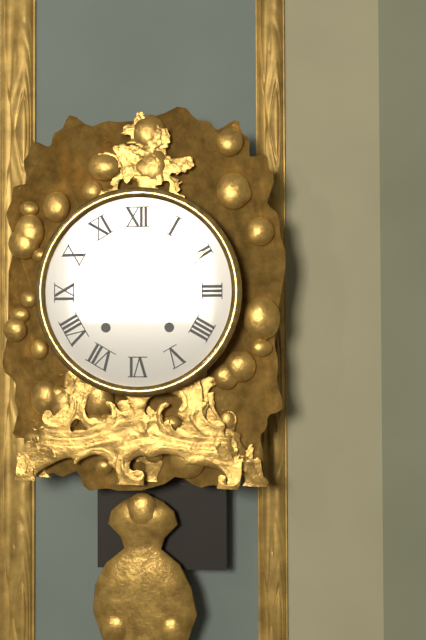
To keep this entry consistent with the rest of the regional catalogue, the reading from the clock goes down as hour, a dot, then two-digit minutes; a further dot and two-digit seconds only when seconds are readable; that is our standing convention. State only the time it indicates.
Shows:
12.10
